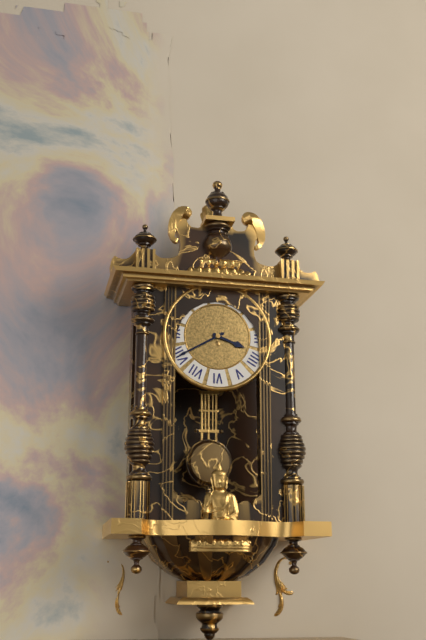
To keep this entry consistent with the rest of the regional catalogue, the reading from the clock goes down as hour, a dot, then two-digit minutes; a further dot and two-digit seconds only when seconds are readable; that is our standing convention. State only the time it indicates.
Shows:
3.40
